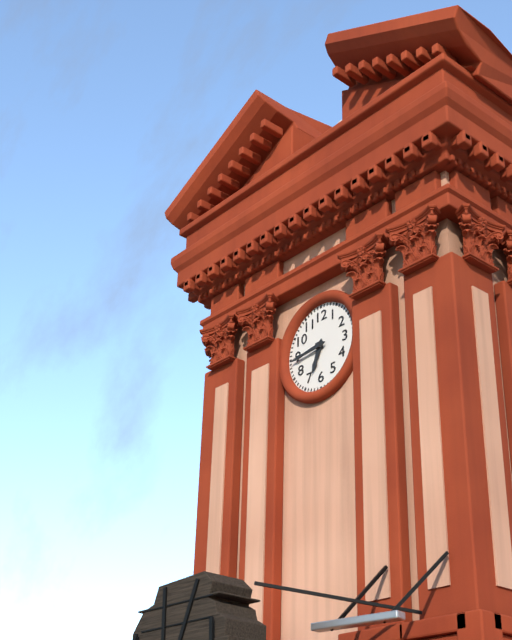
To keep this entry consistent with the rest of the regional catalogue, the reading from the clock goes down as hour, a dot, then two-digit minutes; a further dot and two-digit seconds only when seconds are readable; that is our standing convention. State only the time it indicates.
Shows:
6.44
